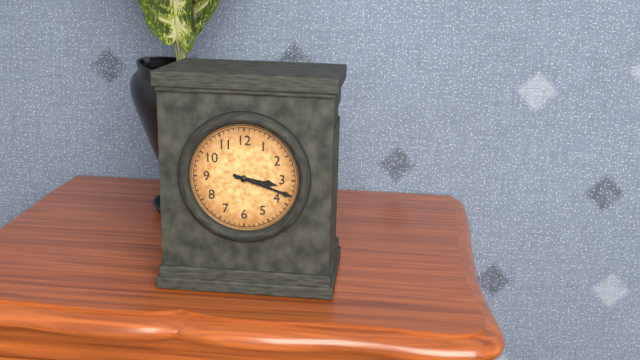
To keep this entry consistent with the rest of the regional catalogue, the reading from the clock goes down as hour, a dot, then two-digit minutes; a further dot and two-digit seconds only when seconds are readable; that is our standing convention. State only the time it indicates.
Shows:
3.18
